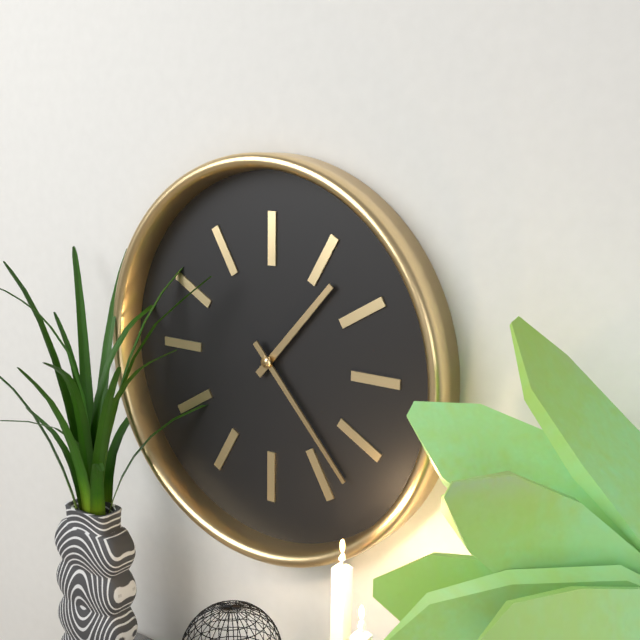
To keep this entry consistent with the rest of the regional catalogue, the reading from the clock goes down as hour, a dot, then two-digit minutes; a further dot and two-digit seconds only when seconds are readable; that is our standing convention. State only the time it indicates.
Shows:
1.23
